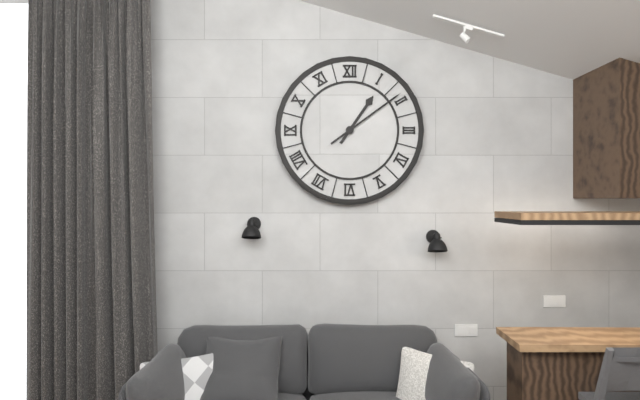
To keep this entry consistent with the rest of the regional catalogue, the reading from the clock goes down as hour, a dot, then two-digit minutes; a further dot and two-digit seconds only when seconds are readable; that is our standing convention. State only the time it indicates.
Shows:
1.09
